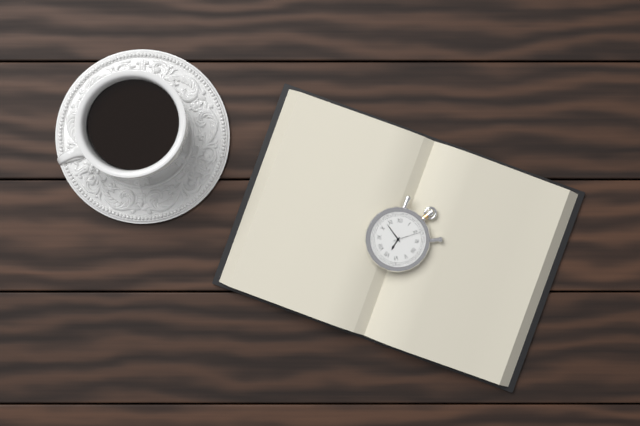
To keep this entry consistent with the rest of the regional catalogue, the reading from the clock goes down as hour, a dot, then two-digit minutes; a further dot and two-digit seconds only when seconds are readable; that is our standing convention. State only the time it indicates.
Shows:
6.53
